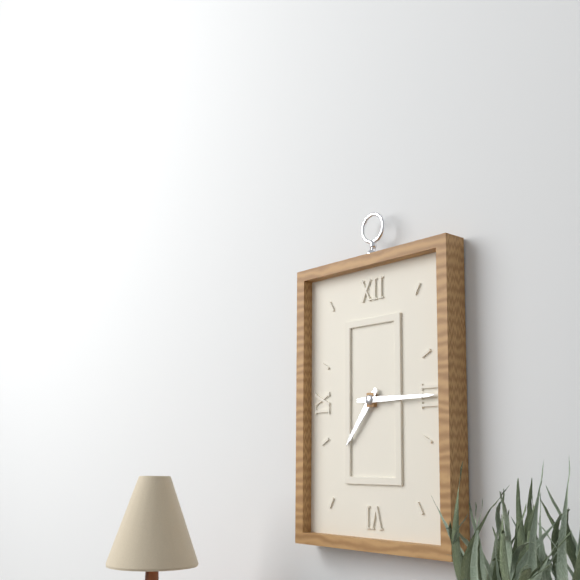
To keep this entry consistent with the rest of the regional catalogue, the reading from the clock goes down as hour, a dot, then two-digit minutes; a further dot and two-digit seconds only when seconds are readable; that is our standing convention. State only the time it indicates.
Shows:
7.15
